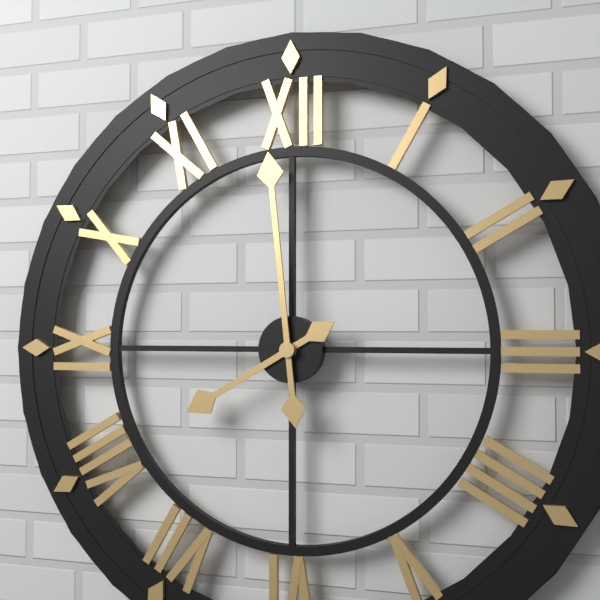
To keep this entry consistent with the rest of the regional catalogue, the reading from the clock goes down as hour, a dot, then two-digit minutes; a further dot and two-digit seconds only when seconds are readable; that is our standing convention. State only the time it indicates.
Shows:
7.59
